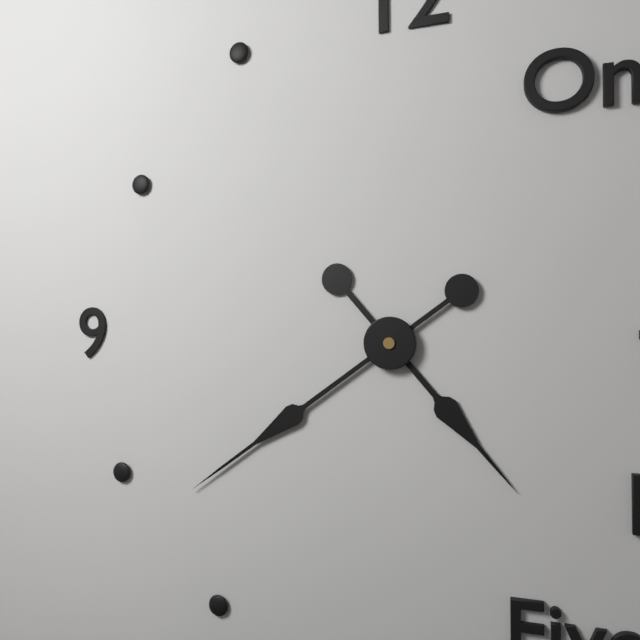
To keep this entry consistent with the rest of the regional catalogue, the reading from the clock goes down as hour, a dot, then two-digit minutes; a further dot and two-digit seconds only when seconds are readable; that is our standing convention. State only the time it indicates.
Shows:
4.39
